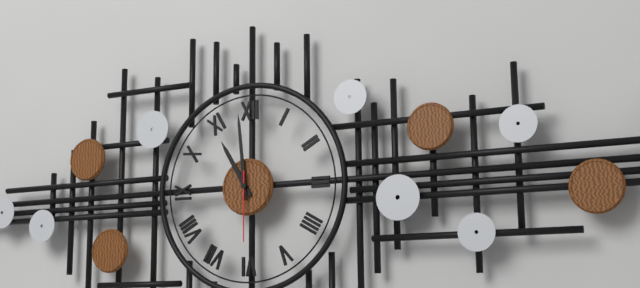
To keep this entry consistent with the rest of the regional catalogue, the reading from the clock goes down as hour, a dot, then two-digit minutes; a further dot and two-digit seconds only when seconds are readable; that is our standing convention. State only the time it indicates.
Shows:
10.59.30
